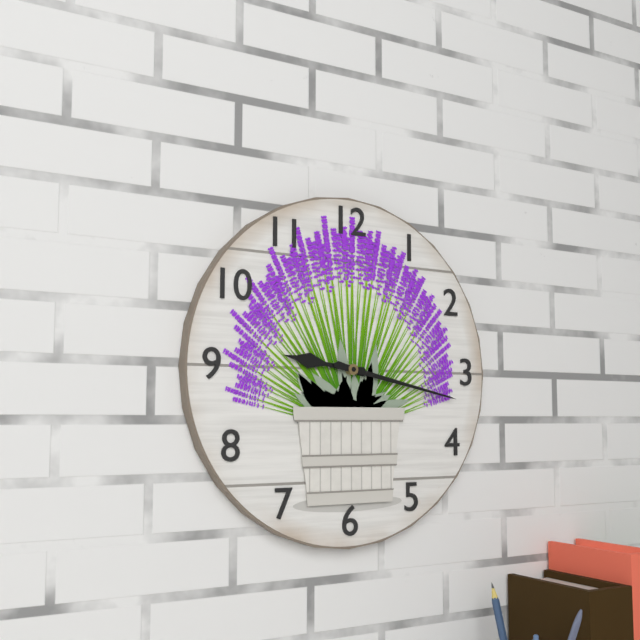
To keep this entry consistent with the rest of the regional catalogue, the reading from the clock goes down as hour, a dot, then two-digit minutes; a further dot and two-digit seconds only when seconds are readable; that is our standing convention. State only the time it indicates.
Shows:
9.17
